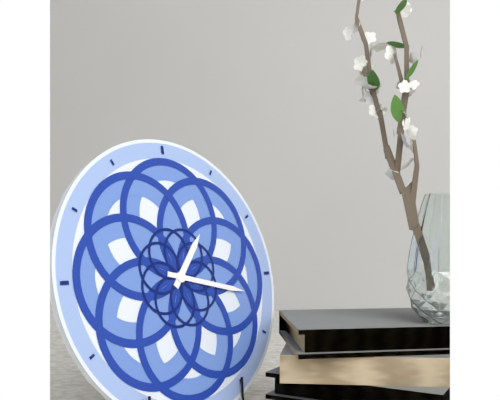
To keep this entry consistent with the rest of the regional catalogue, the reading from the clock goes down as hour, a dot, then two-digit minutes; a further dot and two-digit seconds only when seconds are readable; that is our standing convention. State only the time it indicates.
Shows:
1.17
